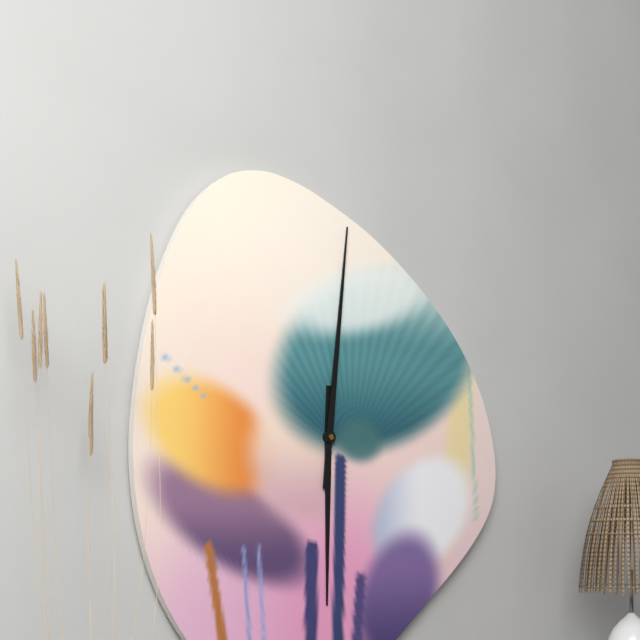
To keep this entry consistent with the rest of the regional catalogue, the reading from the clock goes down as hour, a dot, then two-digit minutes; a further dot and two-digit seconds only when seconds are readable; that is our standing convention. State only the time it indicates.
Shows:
6.01
